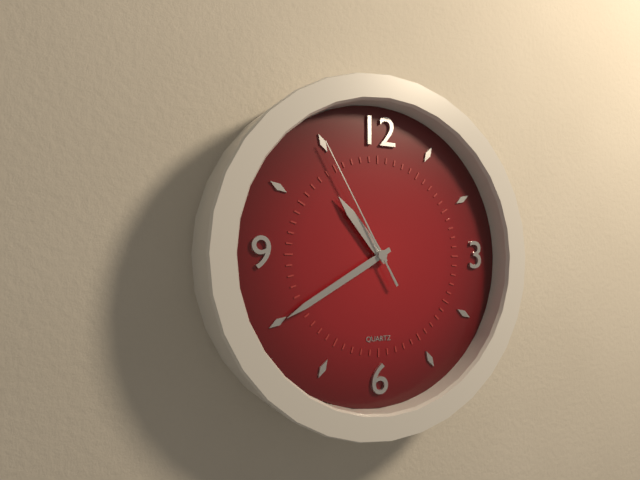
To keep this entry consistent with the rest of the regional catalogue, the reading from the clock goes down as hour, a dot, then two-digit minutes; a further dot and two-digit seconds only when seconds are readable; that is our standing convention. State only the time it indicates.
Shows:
10.40.55
